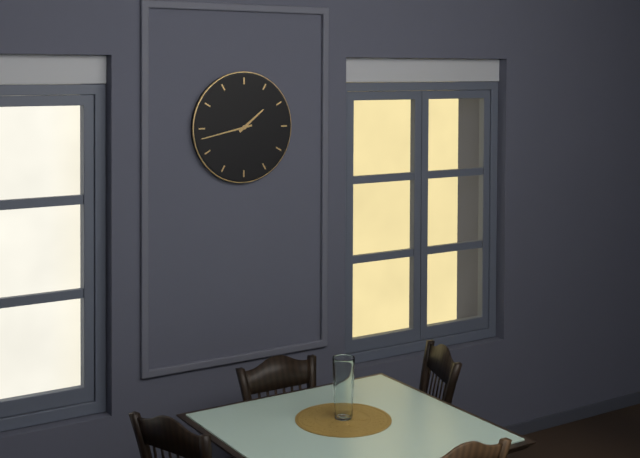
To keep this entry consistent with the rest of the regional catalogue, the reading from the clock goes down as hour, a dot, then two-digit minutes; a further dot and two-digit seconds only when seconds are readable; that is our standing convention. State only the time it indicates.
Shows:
1.43
